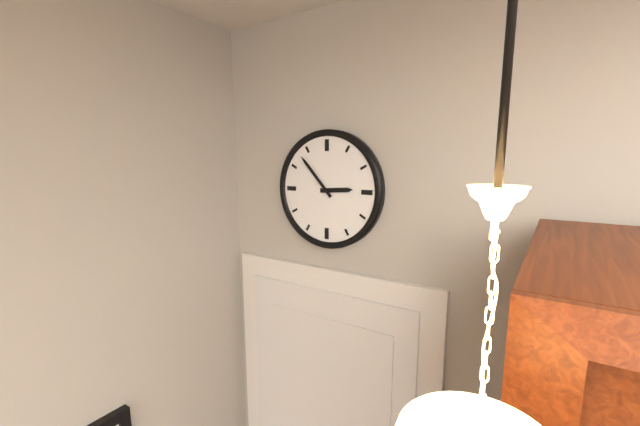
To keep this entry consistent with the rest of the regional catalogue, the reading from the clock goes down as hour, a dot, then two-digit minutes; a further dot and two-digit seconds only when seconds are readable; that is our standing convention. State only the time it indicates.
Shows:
2.53
